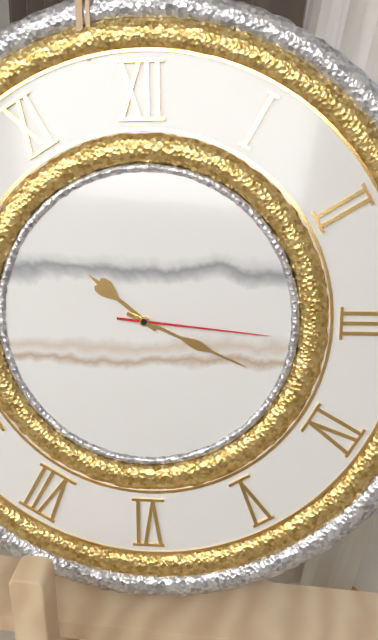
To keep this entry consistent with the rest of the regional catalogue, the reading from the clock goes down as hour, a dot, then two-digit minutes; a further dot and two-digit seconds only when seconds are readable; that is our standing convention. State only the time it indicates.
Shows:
10.19.16
